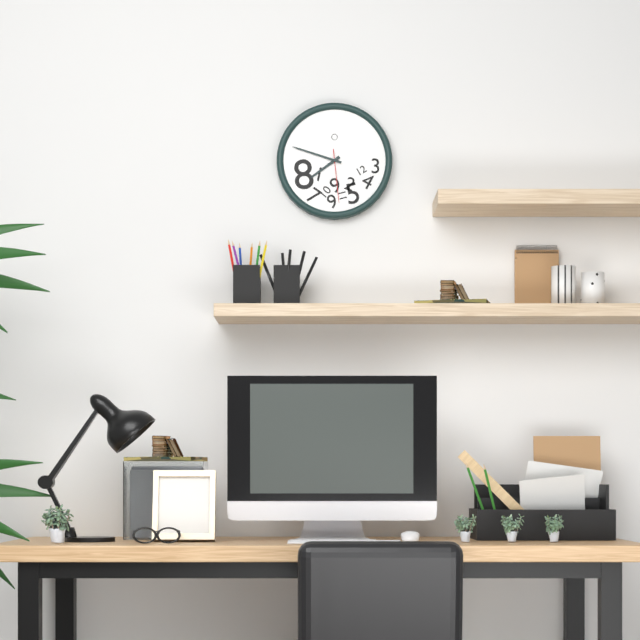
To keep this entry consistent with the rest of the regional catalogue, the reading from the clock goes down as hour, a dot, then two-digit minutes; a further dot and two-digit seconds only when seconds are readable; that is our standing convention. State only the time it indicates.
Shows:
7.48.29
